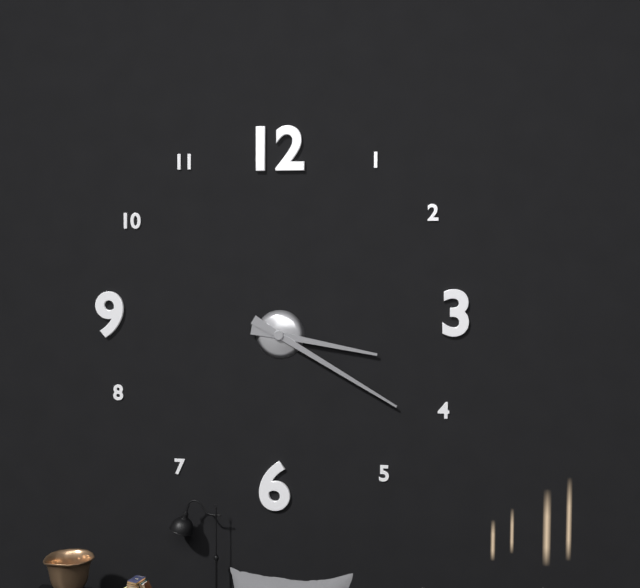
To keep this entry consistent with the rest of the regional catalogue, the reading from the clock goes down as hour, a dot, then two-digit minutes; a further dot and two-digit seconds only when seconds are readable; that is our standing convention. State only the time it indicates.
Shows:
3.20
